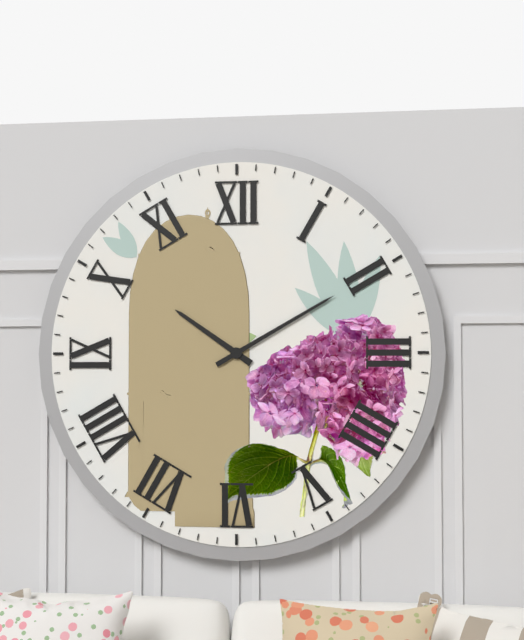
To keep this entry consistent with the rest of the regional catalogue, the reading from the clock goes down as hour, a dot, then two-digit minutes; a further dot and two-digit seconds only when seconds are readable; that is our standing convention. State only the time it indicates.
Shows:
10.10
